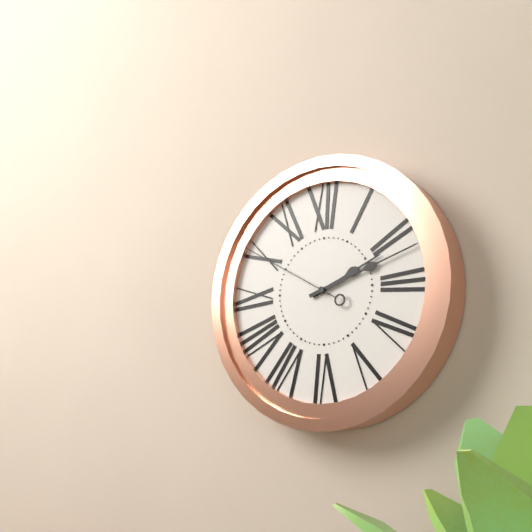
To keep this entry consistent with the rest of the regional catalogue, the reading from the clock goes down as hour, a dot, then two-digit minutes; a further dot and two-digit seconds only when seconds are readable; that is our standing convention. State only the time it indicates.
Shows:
2.12.50
